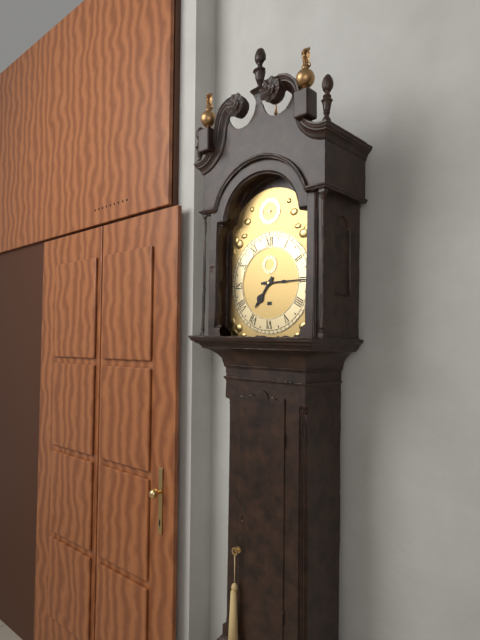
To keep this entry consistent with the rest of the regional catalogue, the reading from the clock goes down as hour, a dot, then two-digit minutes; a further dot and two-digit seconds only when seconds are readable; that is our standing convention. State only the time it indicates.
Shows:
7.15
